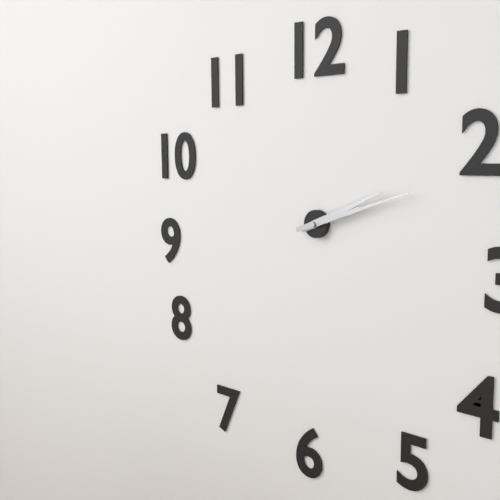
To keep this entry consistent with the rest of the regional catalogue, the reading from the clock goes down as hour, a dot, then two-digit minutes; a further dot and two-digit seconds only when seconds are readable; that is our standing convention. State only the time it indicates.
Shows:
2.12
